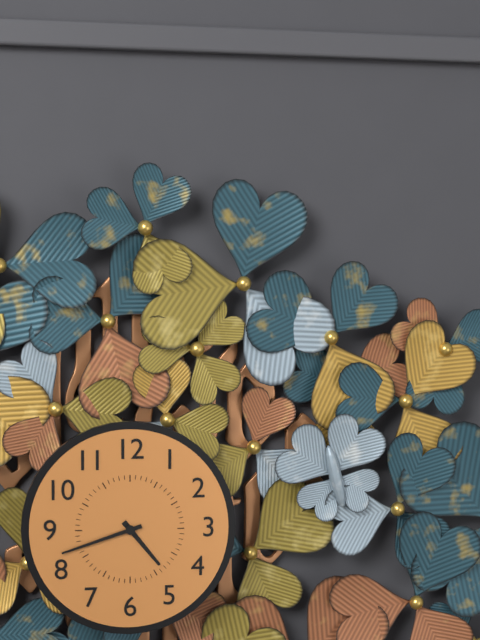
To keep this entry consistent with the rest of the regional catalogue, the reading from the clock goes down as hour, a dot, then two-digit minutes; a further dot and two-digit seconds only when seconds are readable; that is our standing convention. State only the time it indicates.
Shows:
4.42
